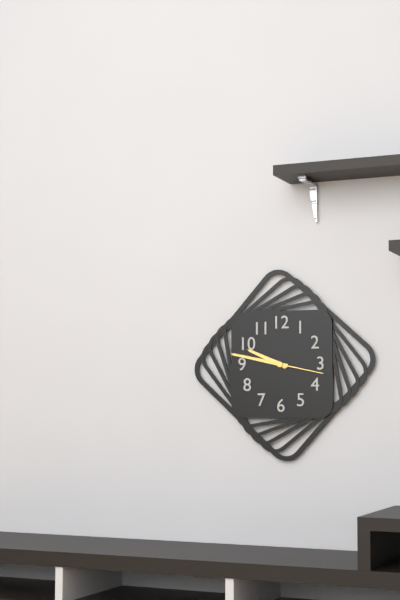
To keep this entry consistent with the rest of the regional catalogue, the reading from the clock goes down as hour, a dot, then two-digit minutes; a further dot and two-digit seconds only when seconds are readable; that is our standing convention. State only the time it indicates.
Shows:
9.47.17
